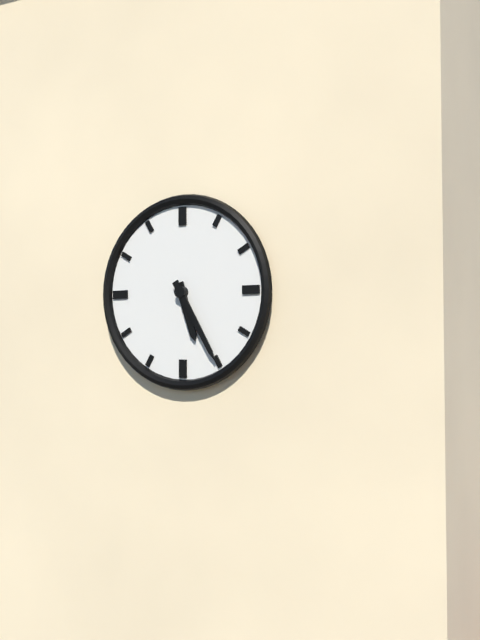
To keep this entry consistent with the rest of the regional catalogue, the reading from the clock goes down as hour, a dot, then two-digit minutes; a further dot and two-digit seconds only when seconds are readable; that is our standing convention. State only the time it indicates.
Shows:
5.25
